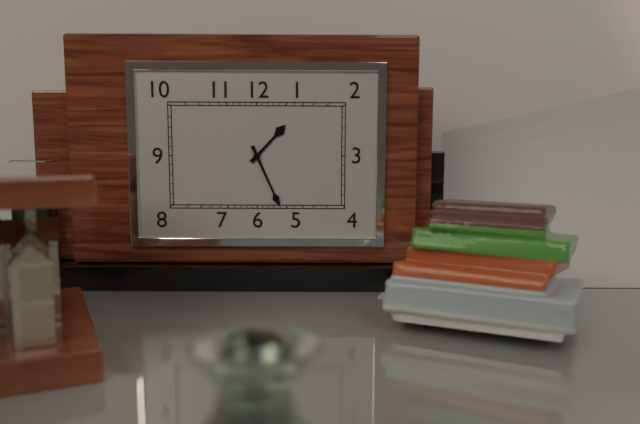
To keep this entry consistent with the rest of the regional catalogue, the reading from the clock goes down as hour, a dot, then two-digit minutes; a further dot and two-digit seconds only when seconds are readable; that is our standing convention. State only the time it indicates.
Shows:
1.26
